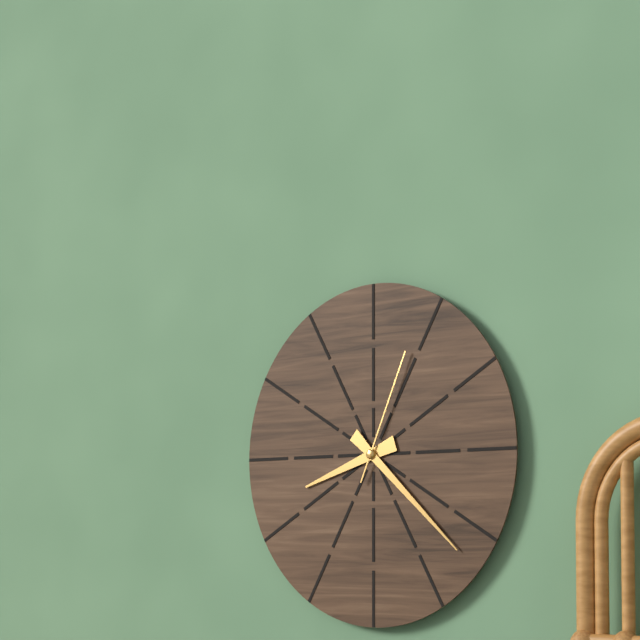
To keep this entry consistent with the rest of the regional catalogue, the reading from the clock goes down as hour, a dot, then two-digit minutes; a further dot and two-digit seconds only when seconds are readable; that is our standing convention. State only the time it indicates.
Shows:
8.22.04
